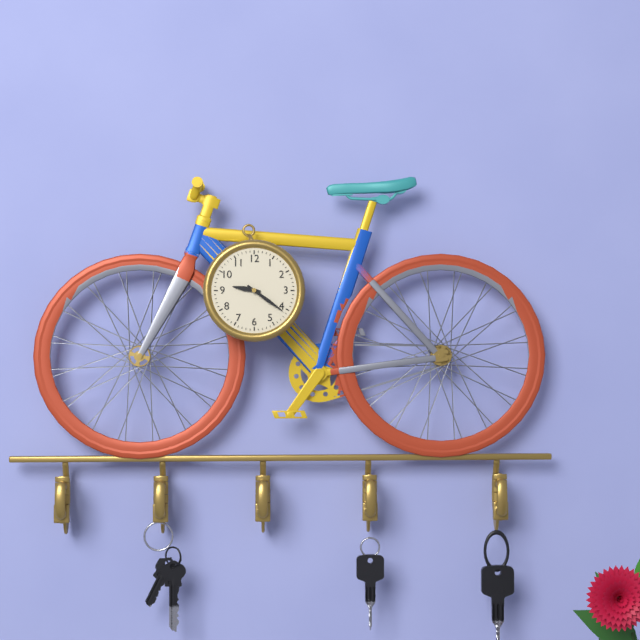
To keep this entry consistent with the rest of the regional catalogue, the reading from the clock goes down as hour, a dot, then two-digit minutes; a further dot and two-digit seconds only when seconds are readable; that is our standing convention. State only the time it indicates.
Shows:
9.21
